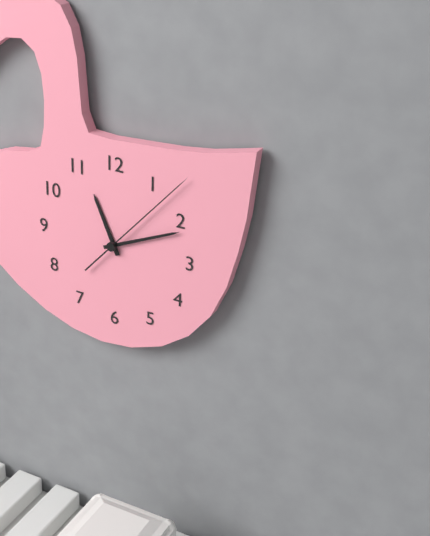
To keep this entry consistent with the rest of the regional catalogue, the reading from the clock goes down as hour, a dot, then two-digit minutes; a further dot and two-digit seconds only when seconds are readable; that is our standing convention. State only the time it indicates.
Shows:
11.11.07
